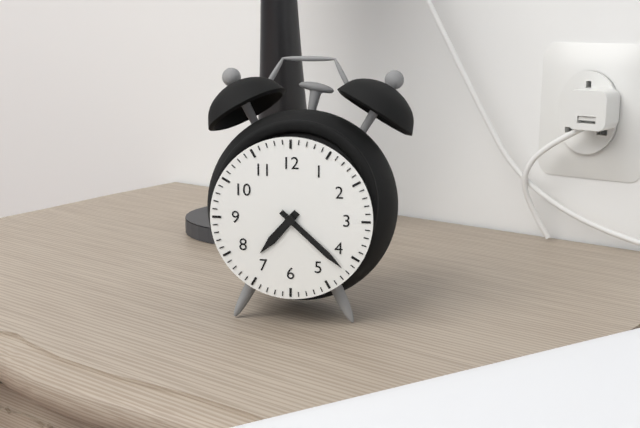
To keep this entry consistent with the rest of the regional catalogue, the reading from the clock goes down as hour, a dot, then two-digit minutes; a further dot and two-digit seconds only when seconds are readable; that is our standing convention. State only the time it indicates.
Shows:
7.22
